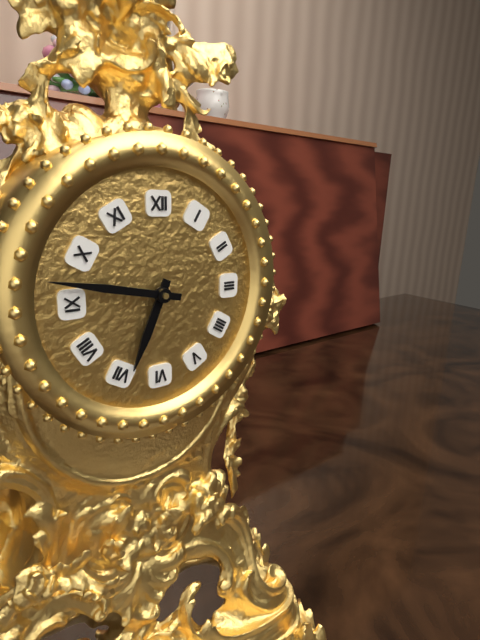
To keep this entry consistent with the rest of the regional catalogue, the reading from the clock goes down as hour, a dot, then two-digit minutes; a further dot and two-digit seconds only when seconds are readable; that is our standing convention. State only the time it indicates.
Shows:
6.47
